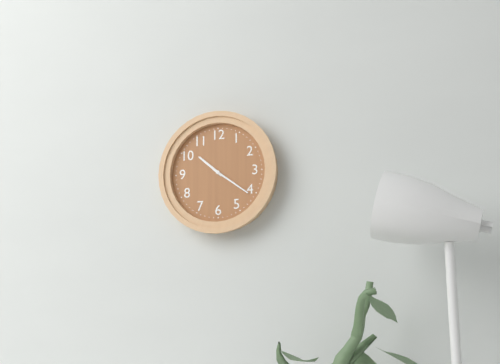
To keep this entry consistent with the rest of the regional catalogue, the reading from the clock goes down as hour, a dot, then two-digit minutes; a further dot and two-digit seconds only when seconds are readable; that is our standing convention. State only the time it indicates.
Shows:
10.21
